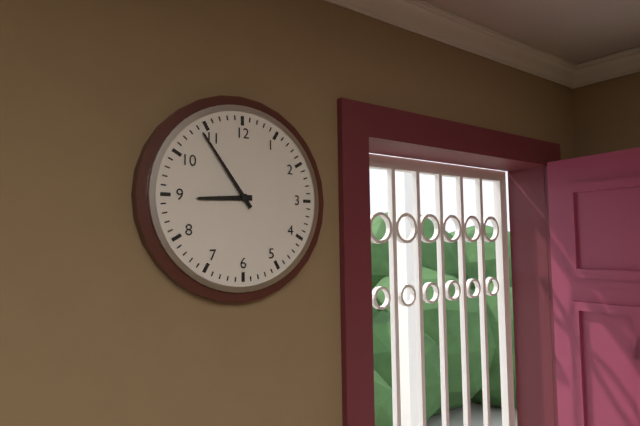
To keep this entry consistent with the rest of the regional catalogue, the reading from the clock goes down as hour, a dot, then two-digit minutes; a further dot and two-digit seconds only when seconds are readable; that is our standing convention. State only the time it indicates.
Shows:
8.54
